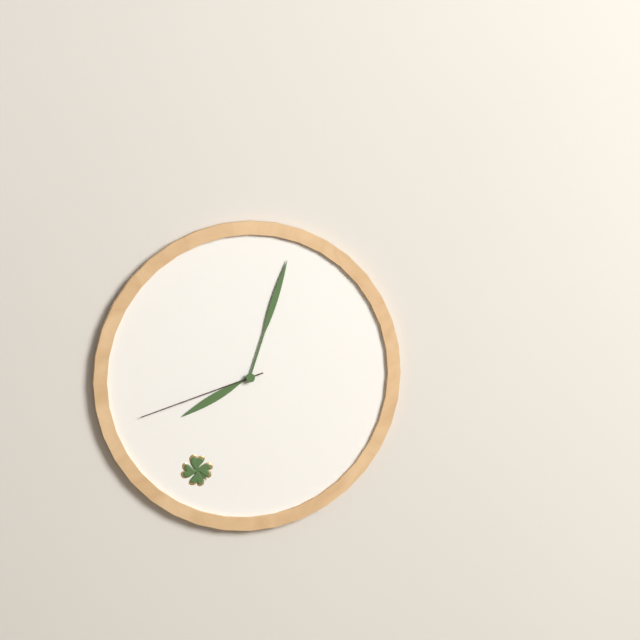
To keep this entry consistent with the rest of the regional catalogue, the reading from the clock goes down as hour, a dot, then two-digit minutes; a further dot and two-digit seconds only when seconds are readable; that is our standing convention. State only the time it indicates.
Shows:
8.03.42
